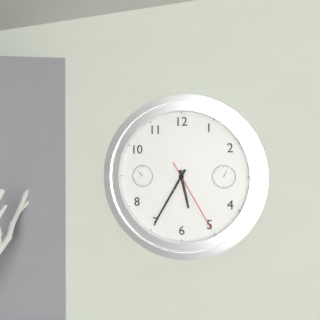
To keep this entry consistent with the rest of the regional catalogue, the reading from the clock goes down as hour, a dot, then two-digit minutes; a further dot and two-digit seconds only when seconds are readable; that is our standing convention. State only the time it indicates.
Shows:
5.35.25
